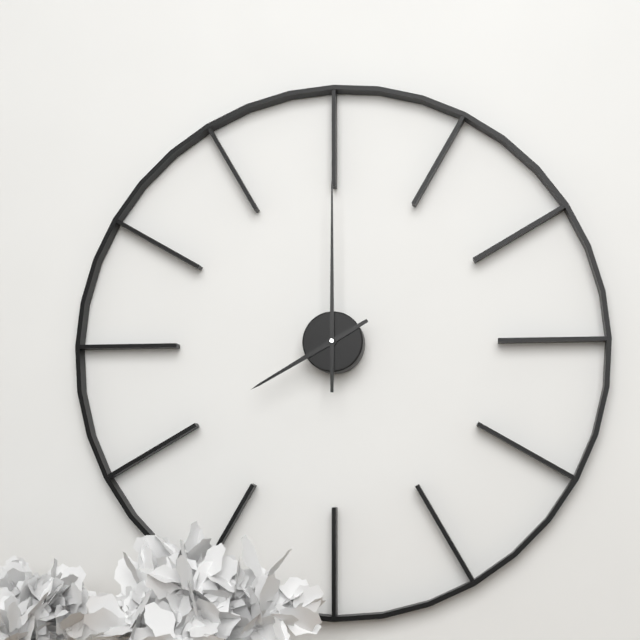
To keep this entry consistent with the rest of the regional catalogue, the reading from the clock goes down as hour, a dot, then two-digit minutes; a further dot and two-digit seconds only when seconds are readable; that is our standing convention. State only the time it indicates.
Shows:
8.00
